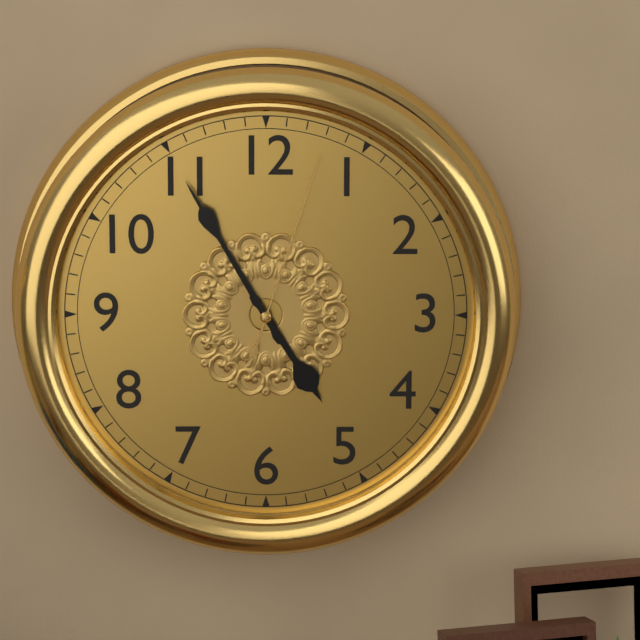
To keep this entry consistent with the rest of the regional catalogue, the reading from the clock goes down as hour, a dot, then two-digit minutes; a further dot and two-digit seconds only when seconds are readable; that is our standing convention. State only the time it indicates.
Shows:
4.55.03
